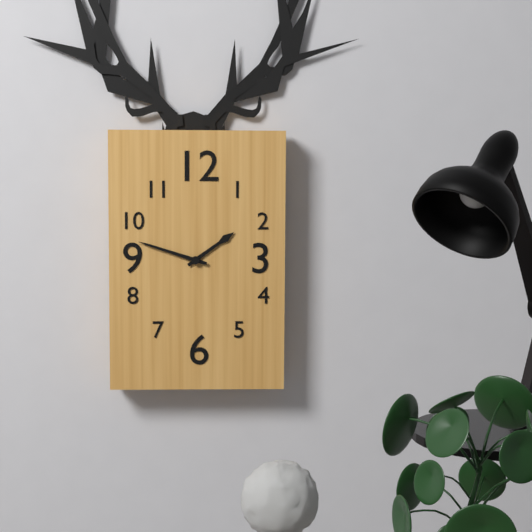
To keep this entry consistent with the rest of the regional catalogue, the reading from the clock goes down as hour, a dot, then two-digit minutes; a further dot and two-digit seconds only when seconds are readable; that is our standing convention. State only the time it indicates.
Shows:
1.48
